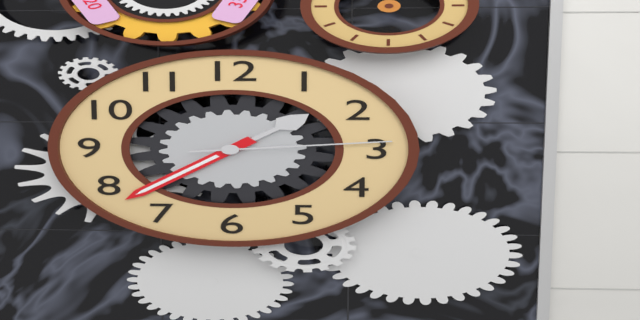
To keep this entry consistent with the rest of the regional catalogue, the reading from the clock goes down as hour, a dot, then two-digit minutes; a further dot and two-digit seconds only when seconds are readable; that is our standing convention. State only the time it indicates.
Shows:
1.38.14
